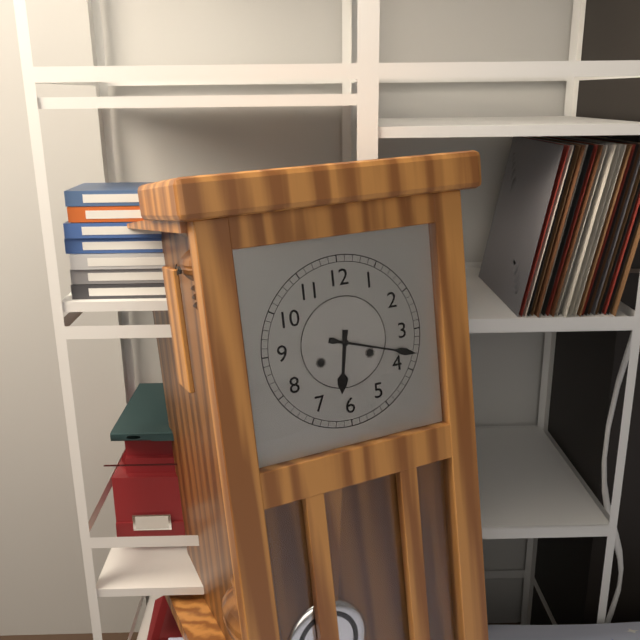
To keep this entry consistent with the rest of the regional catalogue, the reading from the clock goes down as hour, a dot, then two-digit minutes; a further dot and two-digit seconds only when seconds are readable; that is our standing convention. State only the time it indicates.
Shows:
6.18
